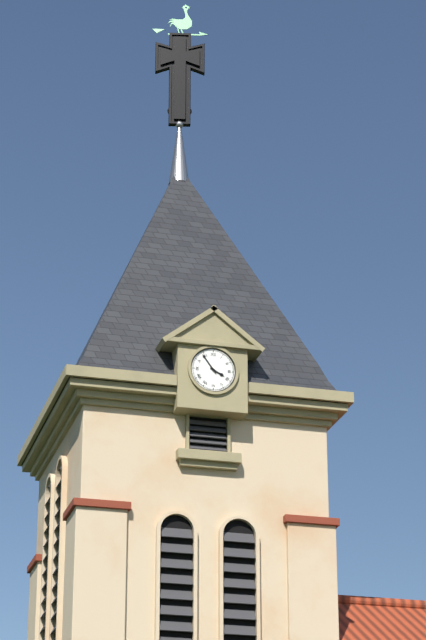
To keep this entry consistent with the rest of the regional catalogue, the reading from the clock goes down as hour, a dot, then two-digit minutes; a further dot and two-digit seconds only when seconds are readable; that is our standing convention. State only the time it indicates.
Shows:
3.54
